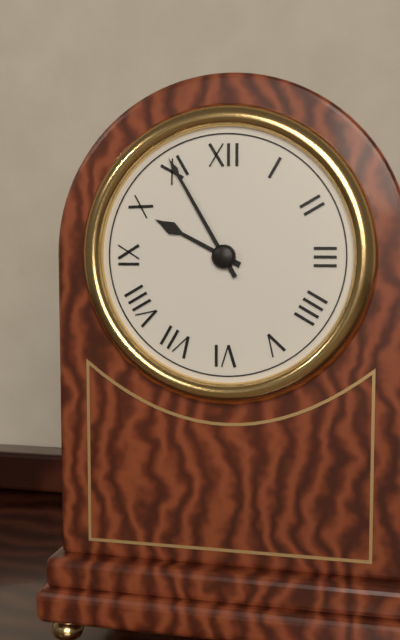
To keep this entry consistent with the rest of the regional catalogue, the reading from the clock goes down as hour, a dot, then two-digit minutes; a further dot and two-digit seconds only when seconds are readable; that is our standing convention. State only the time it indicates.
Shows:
9.55
